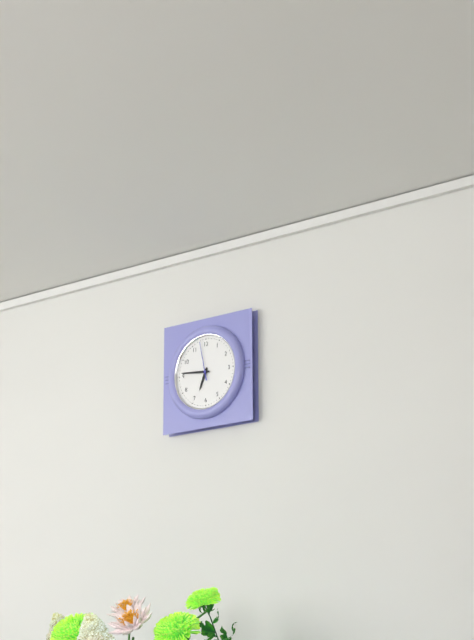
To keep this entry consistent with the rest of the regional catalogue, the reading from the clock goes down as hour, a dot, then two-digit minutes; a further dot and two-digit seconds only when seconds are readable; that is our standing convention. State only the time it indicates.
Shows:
6.46
